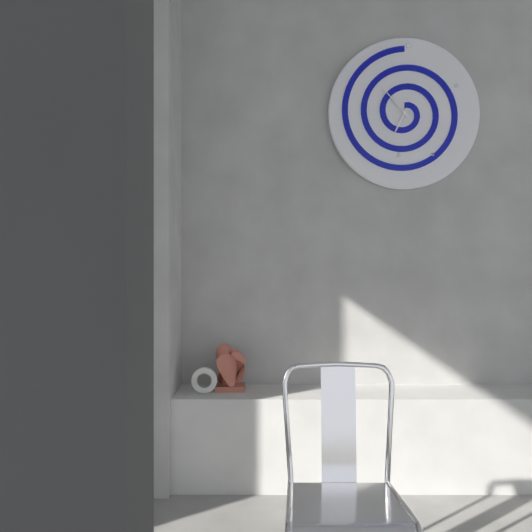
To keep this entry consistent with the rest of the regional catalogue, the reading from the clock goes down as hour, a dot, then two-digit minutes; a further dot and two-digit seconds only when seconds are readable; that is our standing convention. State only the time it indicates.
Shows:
6.53
